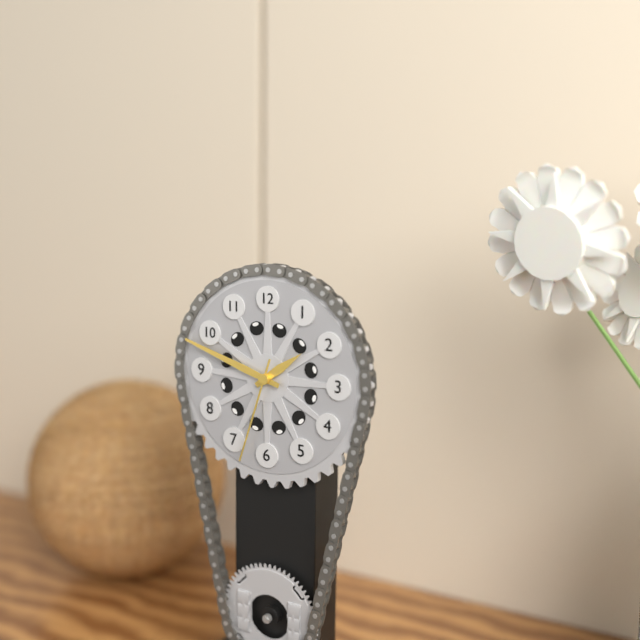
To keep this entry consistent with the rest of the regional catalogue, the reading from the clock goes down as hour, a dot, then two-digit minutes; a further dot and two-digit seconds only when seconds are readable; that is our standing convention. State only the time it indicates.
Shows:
1.48.33
